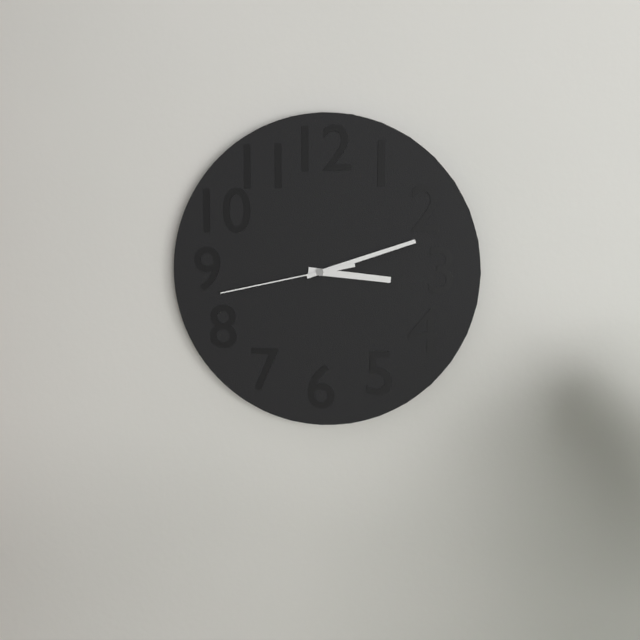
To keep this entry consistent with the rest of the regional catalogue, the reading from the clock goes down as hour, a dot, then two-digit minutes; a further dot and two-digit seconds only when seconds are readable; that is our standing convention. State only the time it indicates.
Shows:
3.12.43
